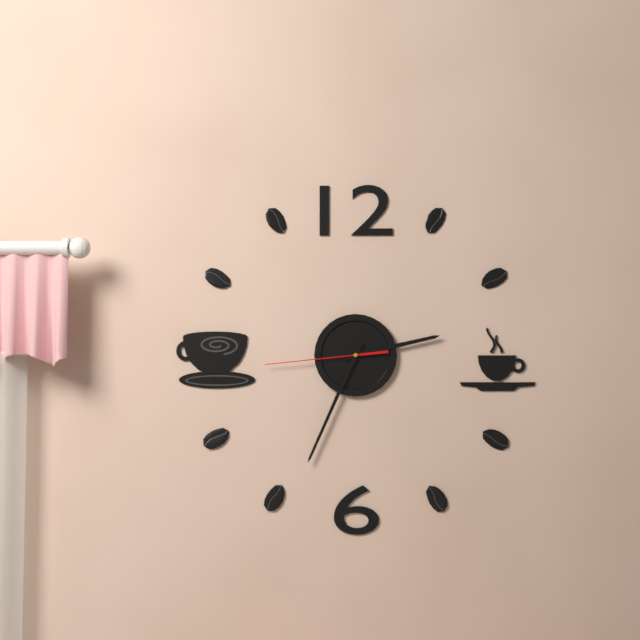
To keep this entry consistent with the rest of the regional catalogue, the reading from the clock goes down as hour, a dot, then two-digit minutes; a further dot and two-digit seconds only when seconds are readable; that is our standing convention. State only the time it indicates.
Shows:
2.34.44
